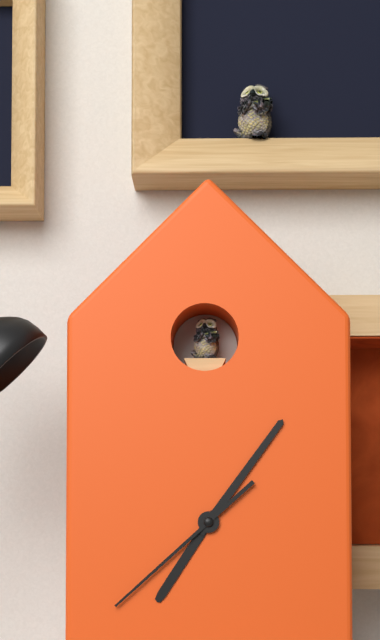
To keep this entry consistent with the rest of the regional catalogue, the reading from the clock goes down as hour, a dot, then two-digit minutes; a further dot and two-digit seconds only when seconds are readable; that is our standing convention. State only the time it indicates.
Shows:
7.06.38
